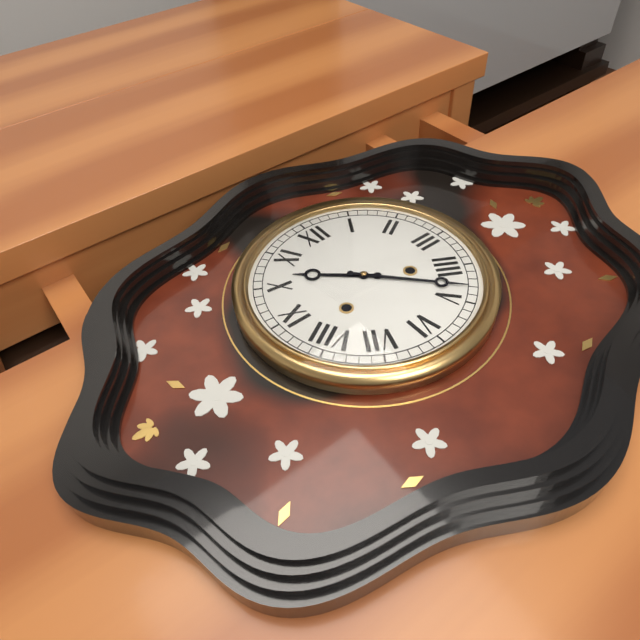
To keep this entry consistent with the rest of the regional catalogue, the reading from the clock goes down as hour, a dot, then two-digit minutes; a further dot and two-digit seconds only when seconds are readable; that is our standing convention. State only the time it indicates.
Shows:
10.23
